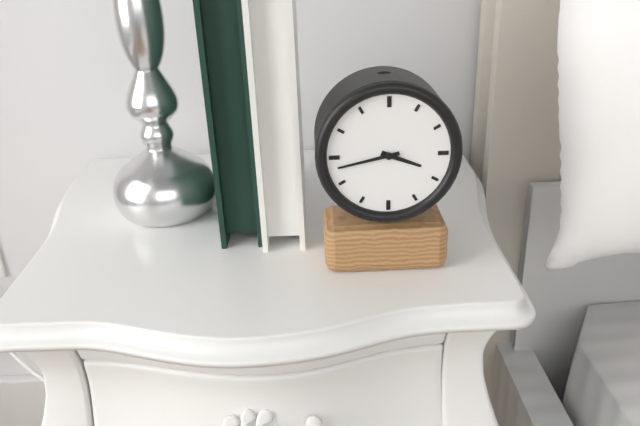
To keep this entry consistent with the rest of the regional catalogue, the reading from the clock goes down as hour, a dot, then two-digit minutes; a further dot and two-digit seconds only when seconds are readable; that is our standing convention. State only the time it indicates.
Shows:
3.43
